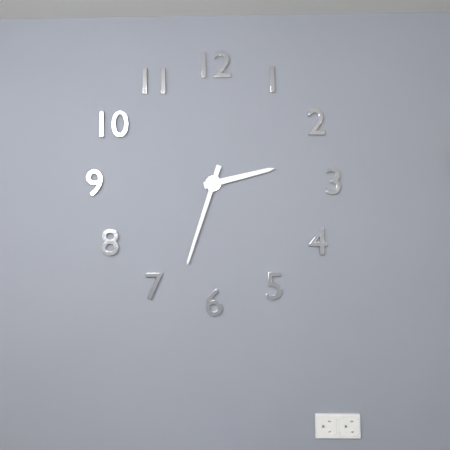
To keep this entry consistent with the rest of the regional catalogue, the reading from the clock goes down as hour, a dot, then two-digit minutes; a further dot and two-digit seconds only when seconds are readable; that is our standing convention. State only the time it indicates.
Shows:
2.33
